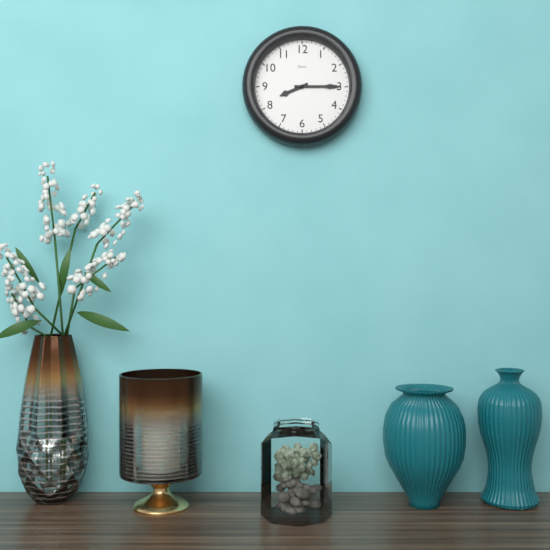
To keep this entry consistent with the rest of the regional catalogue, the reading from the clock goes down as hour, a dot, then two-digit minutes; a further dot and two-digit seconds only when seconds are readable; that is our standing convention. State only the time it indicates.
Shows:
8.15
